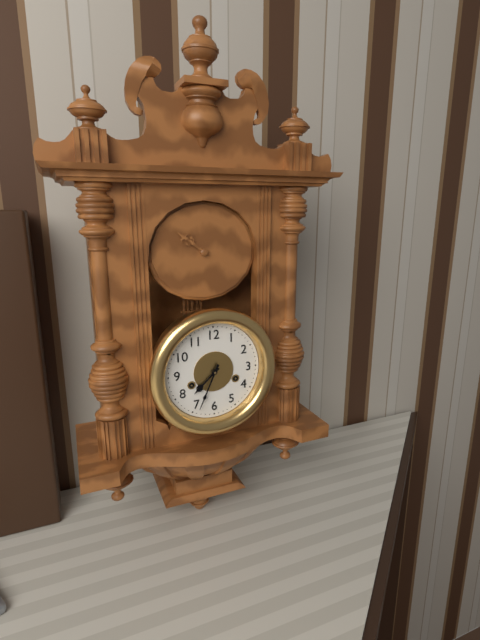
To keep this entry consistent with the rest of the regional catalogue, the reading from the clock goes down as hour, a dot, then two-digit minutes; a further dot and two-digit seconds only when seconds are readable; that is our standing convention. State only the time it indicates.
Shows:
7.34
